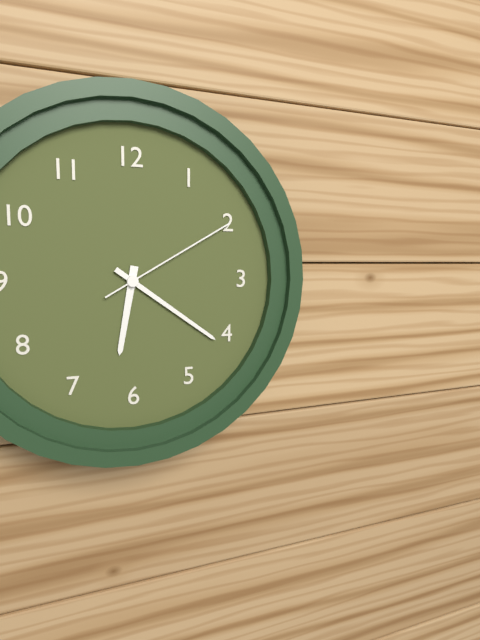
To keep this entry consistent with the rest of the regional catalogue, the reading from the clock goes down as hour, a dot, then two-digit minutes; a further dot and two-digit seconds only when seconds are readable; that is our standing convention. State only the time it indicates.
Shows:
6.21.10
